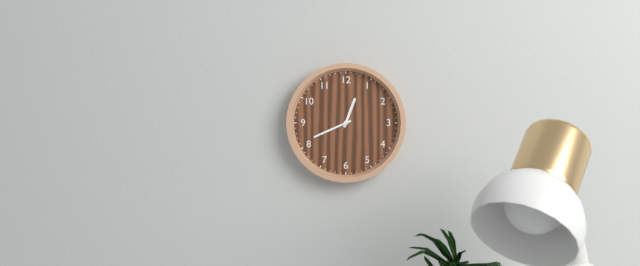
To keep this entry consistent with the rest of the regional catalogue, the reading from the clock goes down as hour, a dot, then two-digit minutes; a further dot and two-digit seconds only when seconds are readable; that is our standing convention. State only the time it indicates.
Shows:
12.41
